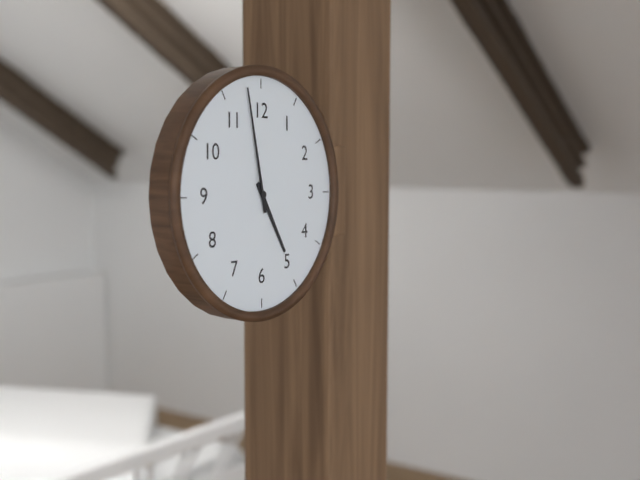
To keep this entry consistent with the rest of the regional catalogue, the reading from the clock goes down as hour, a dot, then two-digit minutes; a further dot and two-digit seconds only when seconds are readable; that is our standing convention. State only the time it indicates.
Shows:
4.58
